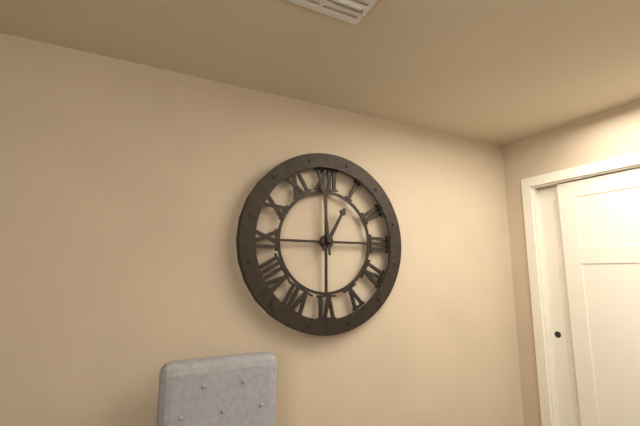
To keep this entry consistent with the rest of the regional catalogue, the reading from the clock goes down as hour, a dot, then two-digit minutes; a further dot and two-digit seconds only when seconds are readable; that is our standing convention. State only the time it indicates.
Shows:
12.59
